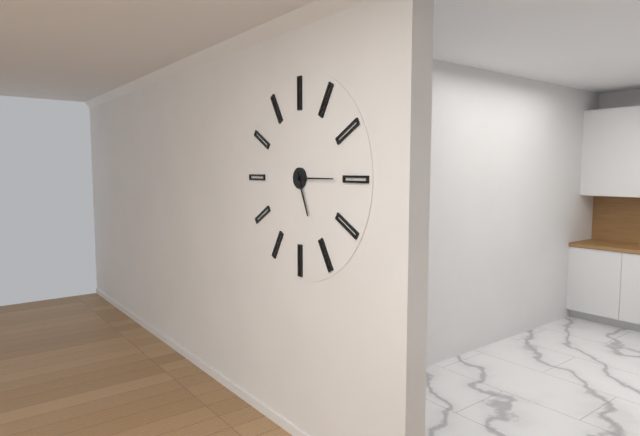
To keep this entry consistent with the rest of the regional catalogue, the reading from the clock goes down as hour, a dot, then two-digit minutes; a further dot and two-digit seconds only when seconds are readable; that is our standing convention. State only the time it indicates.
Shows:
5.15
